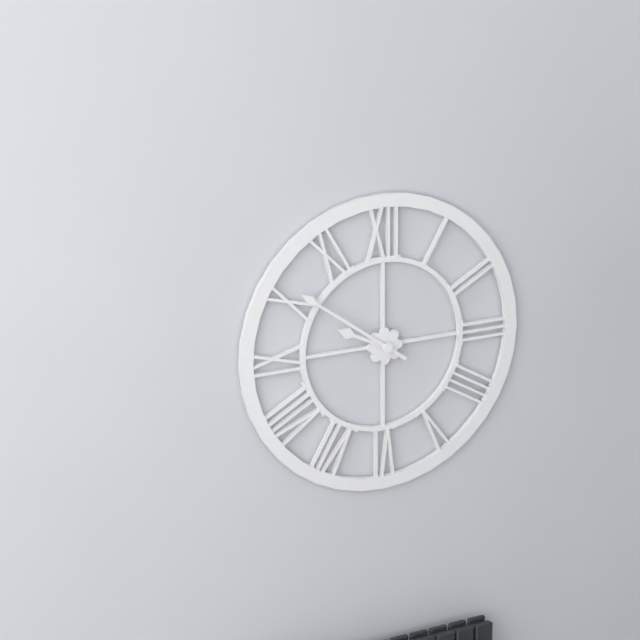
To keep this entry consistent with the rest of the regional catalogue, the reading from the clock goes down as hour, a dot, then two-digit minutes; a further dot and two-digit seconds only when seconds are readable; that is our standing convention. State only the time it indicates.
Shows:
9.51
